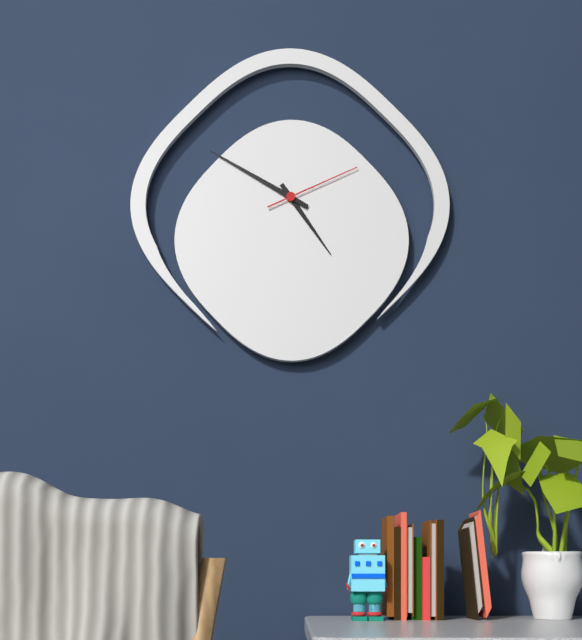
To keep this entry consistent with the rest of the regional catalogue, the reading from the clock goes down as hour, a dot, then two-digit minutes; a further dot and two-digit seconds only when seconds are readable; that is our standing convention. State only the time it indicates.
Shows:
4.50.11
